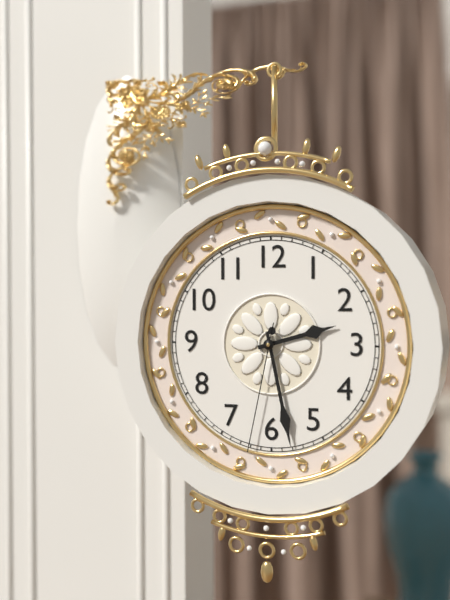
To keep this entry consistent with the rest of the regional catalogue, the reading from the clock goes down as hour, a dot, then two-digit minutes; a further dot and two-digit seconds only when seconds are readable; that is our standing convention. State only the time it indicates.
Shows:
2.28.32
